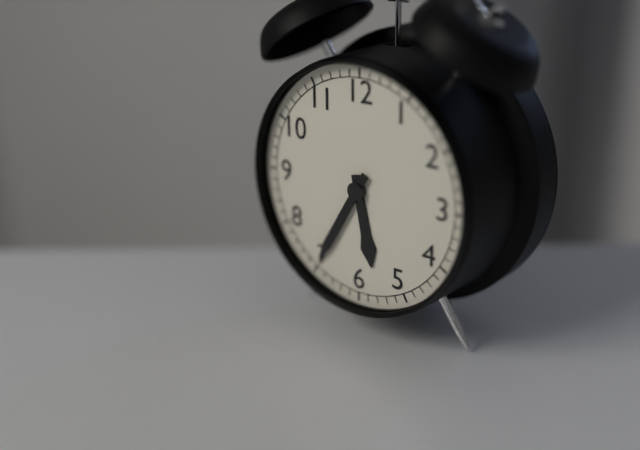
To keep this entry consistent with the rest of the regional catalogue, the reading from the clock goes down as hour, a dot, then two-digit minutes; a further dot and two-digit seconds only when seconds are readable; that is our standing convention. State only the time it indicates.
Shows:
5.35
